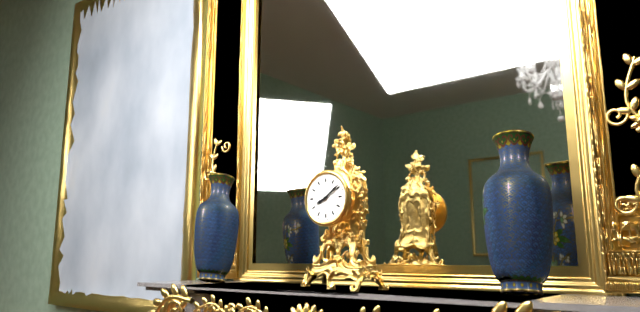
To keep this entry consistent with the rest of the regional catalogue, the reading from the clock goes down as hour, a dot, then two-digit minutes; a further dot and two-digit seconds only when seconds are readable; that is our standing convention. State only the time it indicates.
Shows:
8.09
